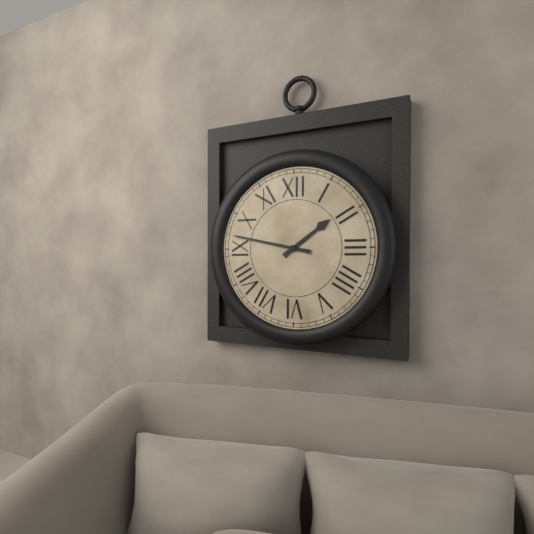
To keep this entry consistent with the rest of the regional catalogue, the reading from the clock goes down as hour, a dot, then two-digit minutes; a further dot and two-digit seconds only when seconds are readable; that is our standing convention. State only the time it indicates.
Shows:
1.47
